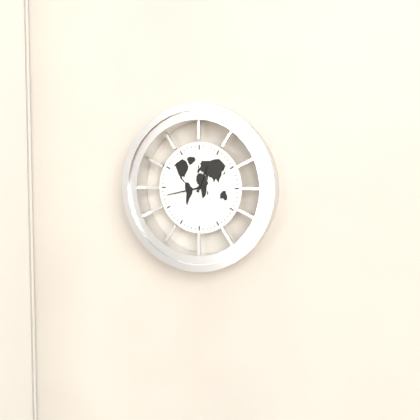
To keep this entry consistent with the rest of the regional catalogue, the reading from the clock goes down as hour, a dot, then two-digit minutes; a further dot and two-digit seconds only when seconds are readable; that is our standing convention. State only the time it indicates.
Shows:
12.43
